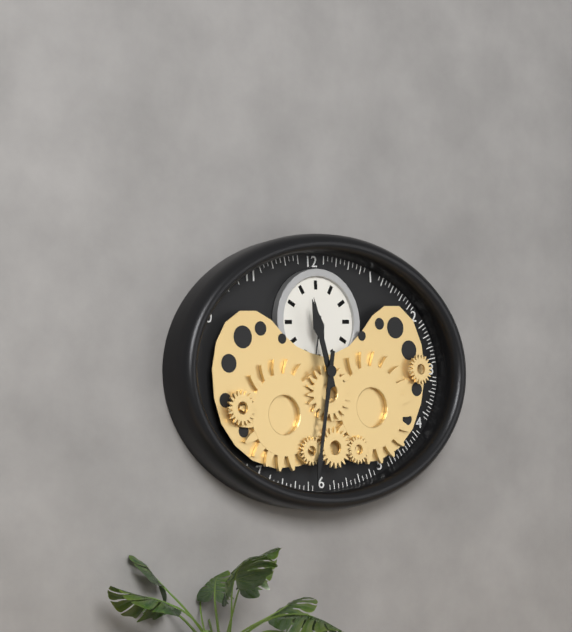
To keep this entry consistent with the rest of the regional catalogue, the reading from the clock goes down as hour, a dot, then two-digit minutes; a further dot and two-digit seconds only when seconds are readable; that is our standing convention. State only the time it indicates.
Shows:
11.32
